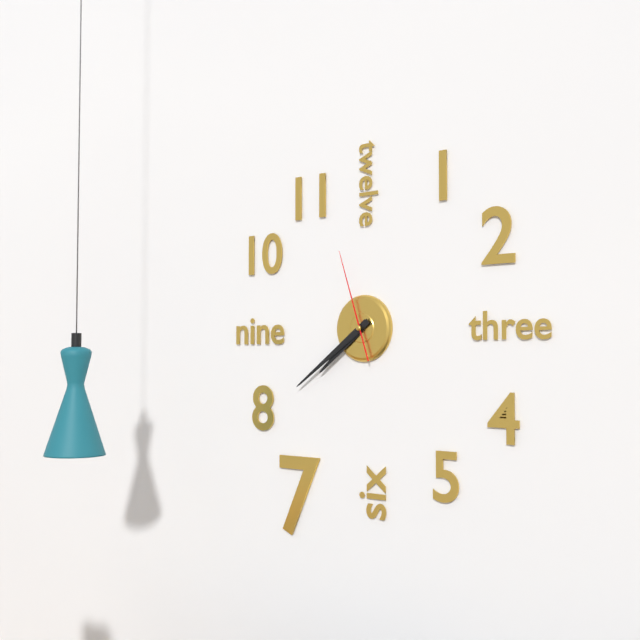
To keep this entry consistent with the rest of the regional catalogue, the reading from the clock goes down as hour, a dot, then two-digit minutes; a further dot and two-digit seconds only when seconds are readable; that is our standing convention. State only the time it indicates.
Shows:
7.39.57
